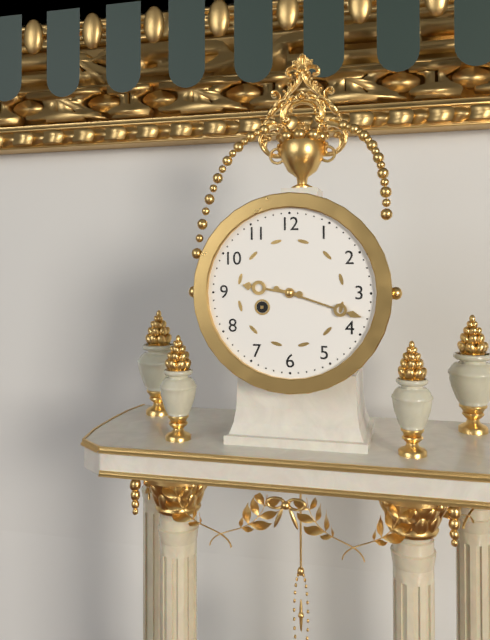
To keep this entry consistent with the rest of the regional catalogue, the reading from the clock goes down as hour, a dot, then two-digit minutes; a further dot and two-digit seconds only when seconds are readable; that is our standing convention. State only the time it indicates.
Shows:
9.18
